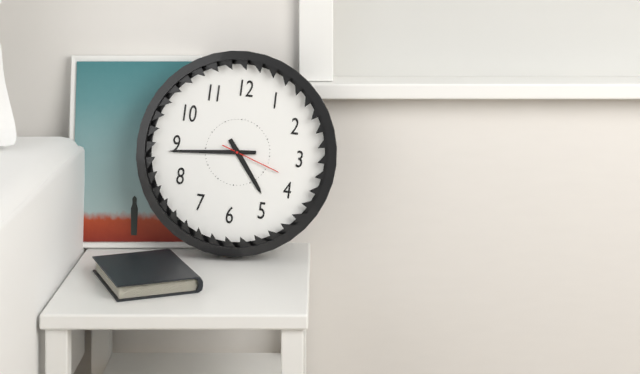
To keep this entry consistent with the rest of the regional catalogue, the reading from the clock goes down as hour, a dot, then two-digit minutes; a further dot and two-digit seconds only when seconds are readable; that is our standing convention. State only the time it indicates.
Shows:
4.44.18
